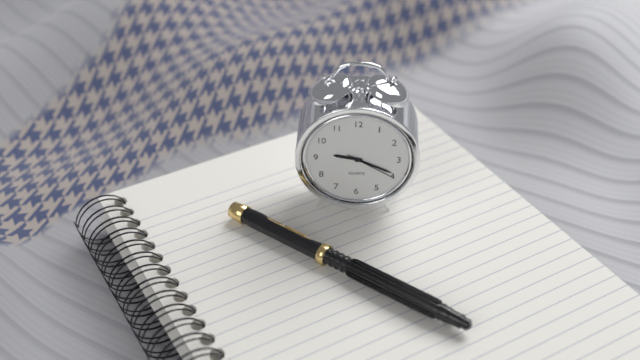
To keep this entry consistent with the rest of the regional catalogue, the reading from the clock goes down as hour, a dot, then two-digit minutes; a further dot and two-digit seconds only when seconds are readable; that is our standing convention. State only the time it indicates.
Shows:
9.19.20
